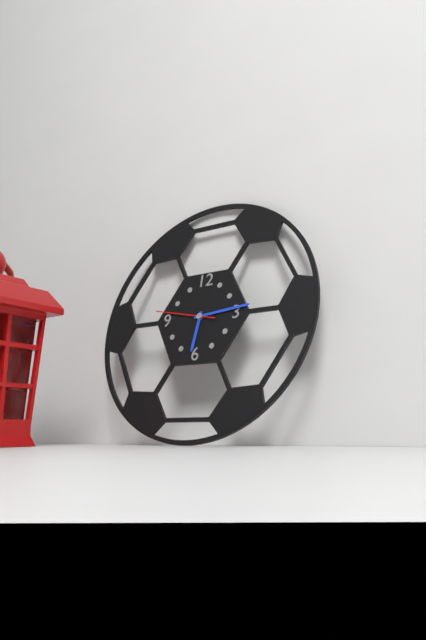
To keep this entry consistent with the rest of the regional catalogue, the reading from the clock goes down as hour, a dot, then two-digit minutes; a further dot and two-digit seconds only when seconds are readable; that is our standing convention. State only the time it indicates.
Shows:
6.14.47
